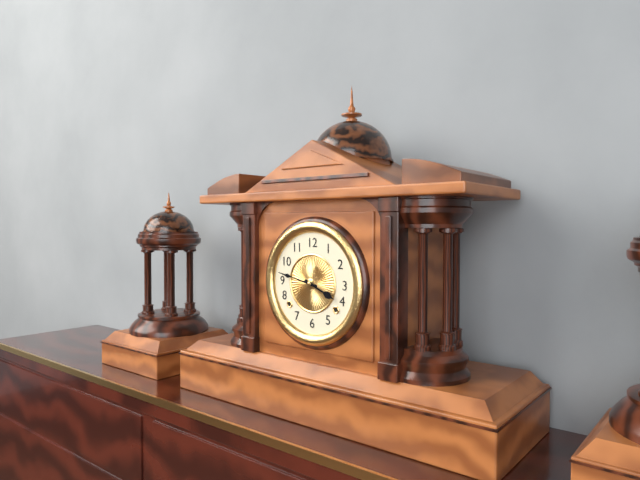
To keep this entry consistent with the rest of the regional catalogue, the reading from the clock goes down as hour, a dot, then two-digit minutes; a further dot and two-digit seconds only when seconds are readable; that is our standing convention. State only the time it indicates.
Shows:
3.47
